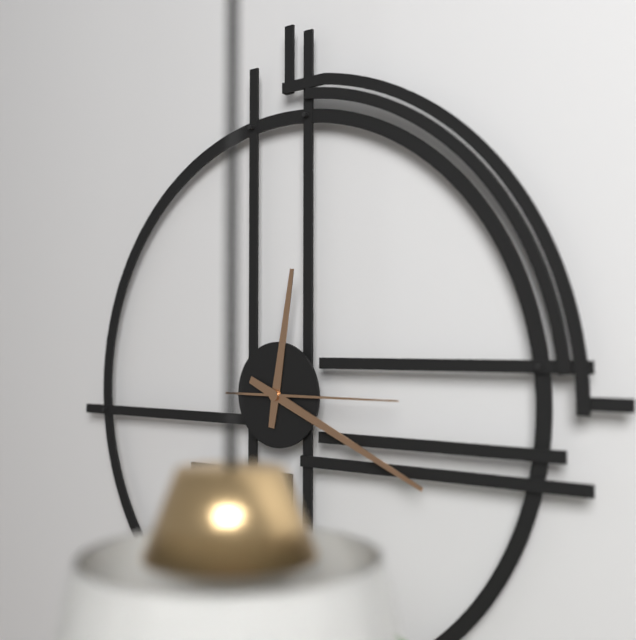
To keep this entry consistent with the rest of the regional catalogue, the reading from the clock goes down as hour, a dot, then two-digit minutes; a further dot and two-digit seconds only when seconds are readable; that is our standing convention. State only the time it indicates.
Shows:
12.19.15
